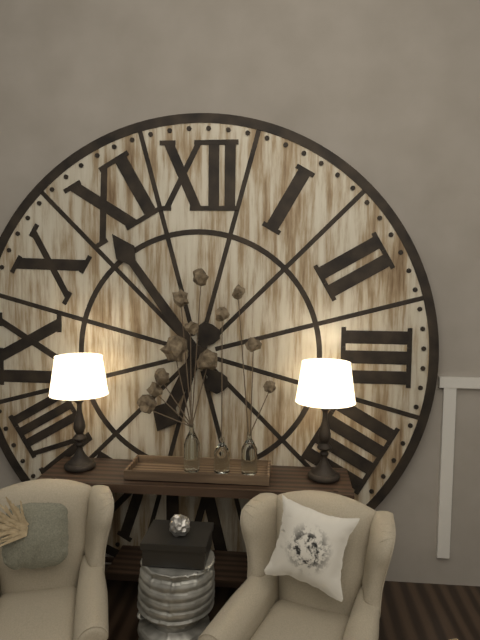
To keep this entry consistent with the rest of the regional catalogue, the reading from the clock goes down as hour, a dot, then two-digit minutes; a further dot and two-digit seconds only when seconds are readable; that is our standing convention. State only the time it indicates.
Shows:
6.54
